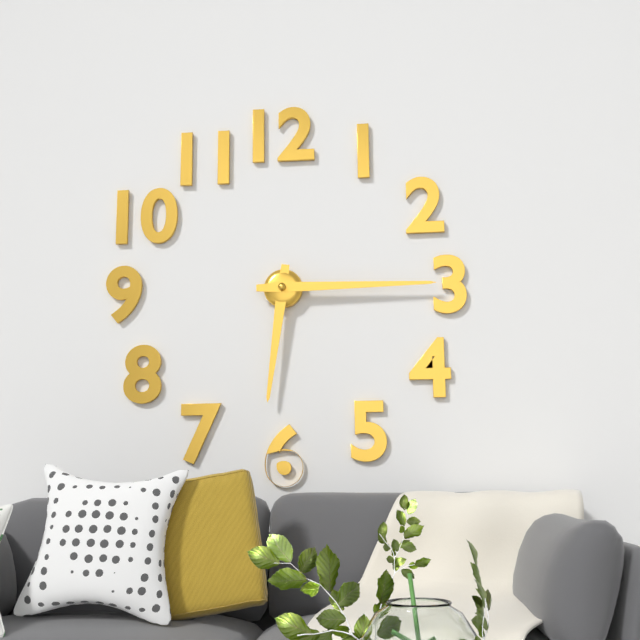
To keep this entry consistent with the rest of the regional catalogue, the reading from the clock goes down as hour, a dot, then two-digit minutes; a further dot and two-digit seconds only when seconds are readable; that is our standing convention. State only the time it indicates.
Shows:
6.15
